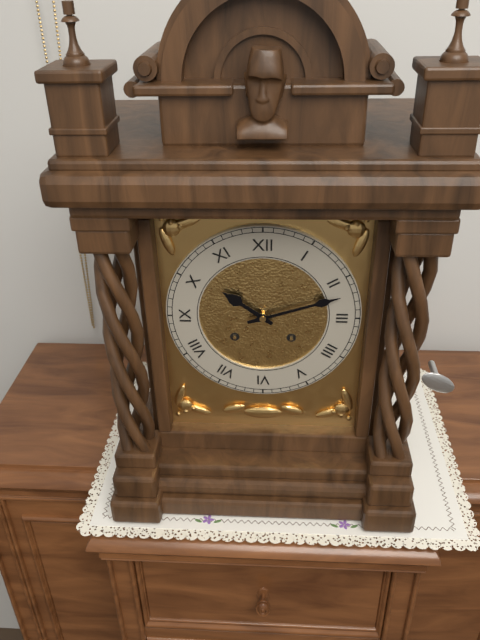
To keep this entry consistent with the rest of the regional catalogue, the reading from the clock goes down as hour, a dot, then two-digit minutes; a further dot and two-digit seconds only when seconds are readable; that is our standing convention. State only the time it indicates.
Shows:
10.12
